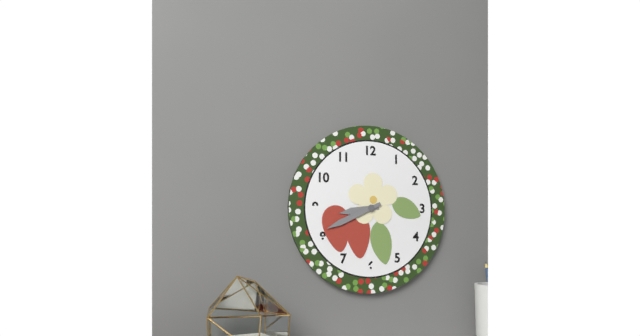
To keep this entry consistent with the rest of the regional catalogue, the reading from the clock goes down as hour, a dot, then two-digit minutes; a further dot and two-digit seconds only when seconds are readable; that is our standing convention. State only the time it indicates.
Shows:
8.41
